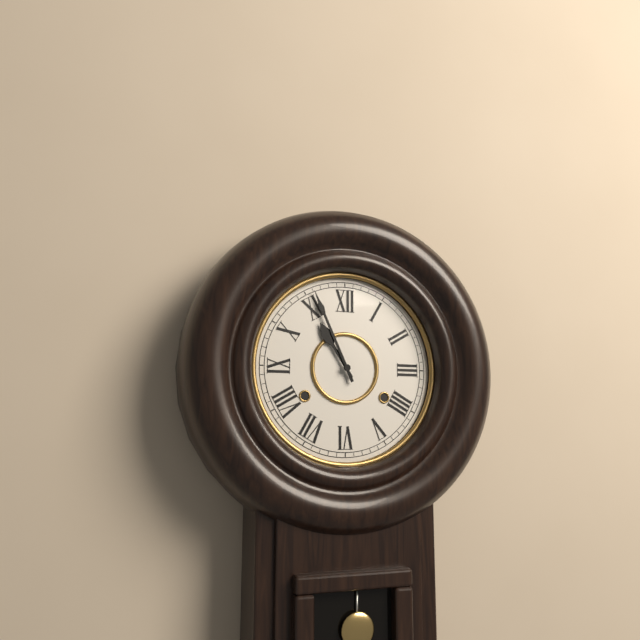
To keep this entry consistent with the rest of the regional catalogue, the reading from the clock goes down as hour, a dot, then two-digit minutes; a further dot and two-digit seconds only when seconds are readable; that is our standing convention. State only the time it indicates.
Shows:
10.56
